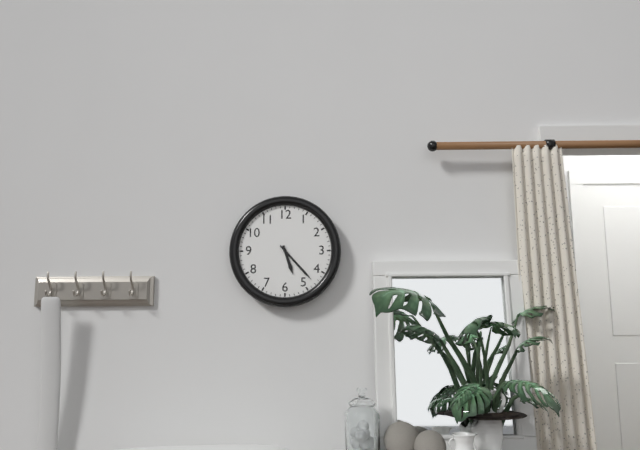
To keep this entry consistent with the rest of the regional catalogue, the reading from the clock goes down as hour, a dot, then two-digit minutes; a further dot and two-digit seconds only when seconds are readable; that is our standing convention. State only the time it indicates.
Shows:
5.23
